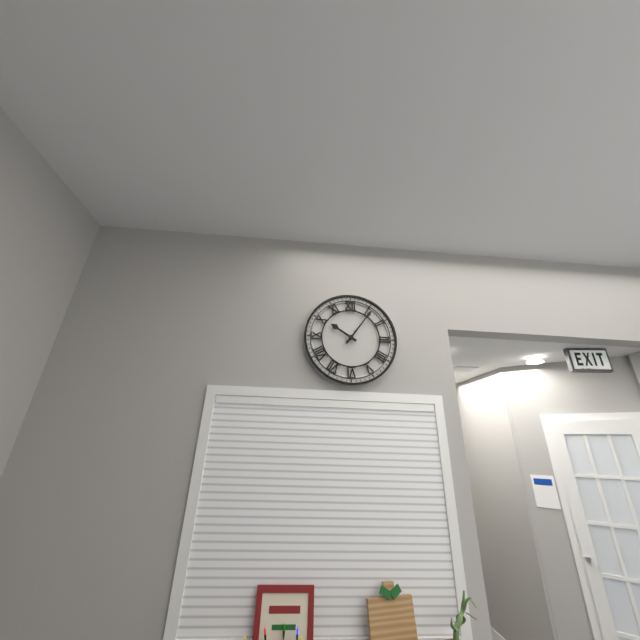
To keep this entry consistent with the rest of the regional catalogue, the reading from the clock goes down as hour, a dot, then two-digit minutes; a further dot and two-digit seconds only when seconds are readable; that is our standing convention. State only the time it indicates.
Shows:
10.06
